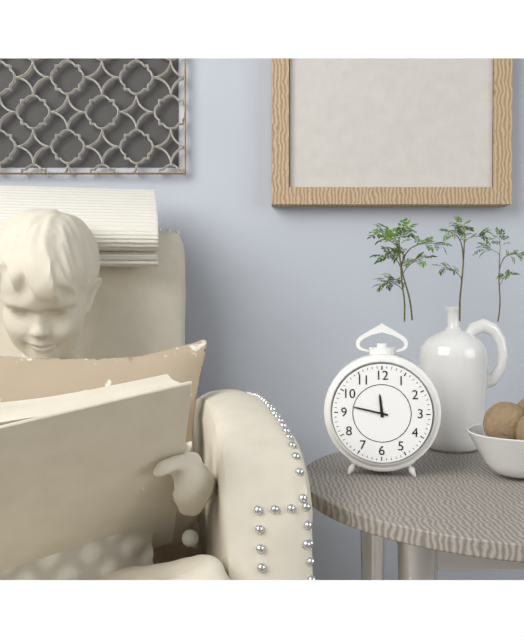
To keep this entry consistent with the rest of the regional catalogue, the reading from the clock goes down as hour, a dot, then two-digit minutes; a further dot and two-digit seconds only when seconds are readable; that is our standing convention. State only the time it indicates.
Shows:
11.47
